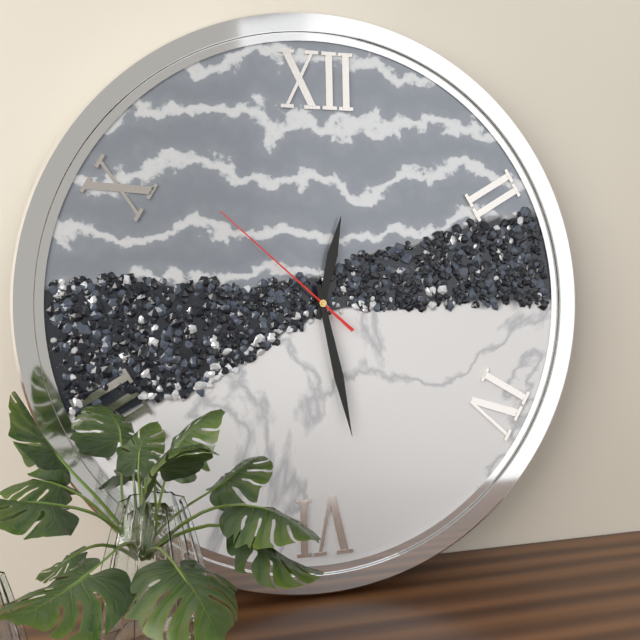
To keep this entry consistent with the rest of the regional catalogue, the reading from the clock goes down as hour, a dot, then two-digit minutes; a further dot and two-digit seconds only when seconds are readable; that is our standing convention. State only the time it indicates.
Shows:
12.28.52
